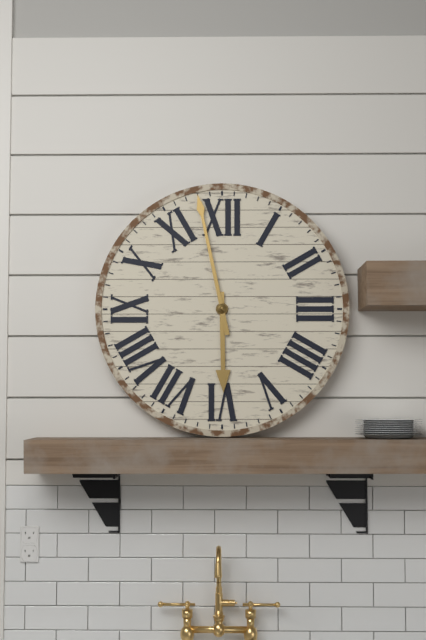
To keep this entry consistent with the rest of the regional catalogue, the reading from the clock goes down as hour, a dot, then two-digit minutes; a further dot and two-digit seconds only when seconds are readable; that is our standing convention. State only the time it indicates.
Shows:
5.58
